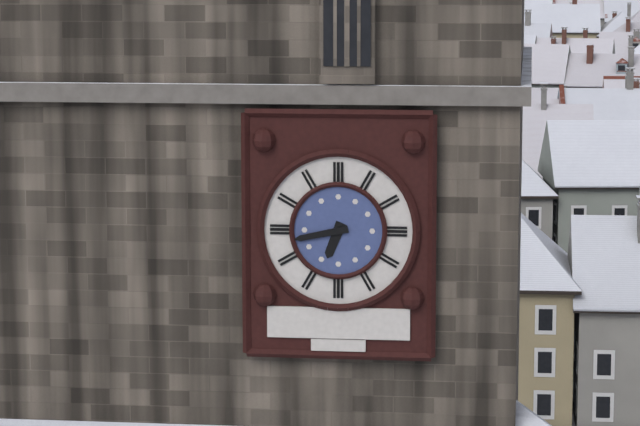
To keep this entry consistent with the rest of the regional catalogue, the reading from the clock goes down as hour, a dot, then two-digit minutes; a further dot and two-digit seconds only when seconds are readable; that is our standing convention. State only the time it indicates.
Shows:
6.43
